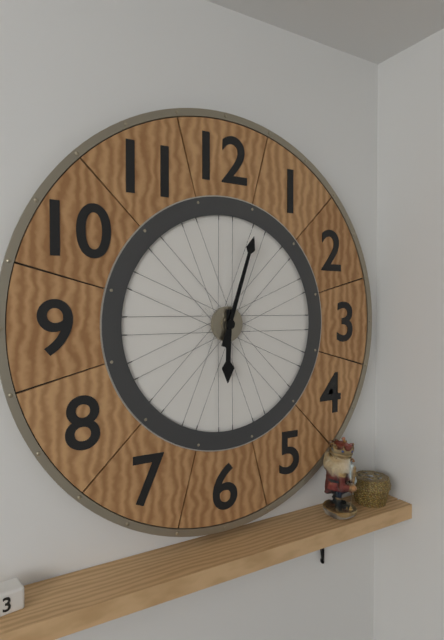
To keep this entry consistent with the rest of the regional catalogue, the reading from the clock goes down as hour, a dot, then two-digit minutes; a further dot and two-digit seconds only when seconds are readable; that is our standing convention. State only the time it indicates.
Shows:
6.03
